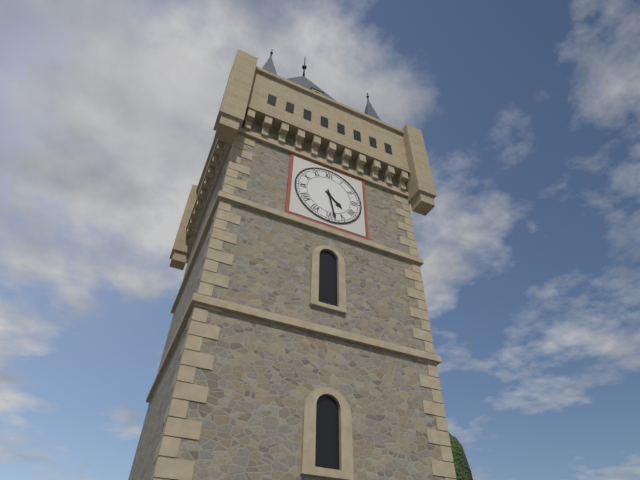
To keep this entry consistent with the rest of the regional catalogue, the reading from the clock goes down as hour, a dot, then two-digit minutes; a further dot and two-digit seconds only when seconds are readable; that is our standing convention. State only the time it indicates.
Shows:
4.28
